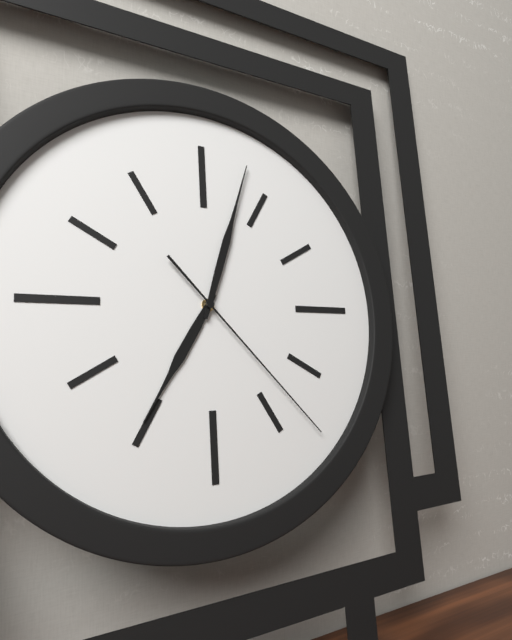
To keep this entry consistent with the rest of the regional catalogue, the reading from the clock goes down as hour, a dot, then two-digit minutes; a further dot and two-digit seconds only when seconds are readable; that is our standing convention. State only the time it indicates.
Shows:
7.03.23
